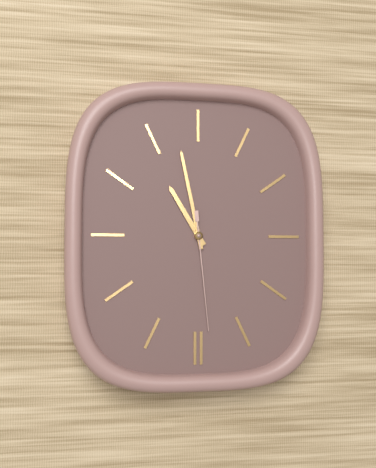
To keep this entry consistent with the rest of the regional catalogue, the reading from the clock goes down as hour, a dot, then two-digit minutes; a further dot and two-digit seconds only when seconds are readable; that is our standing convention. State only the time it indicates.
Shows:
10.58.29
